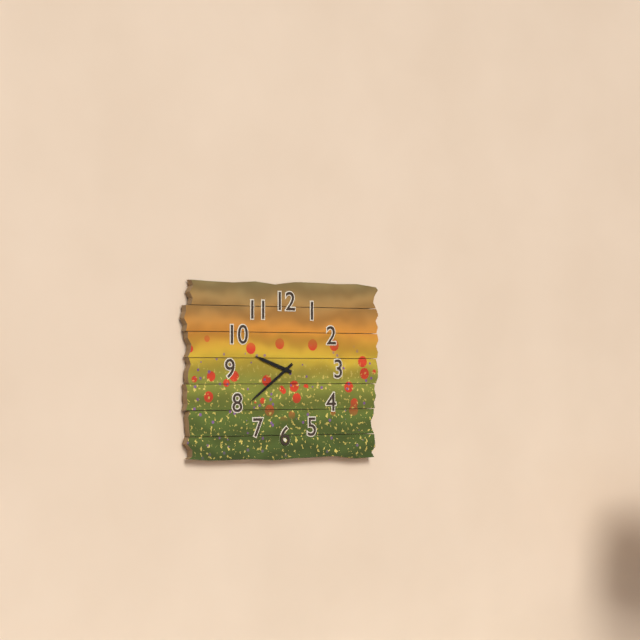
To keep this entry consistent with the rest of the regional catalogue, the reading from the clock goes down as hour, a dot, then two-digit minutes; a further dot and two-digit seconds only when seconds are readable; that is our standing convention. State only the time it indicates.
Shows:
9.39
